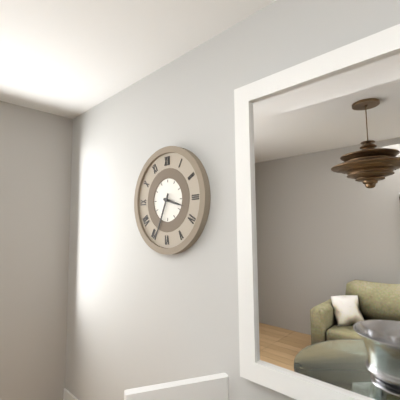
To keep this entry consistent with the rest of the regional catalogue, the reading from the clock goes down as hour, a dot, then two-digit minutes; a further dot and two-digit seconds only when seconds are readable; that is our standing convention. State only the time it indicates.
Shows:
3.34
